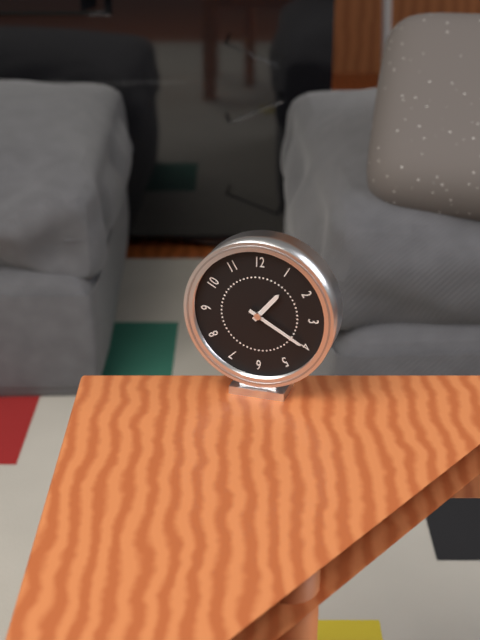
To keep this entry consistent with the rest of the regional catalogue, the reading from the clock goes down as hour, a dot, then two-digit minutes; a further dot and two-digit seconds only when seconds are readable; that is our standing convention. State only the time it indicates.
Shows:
1.20
